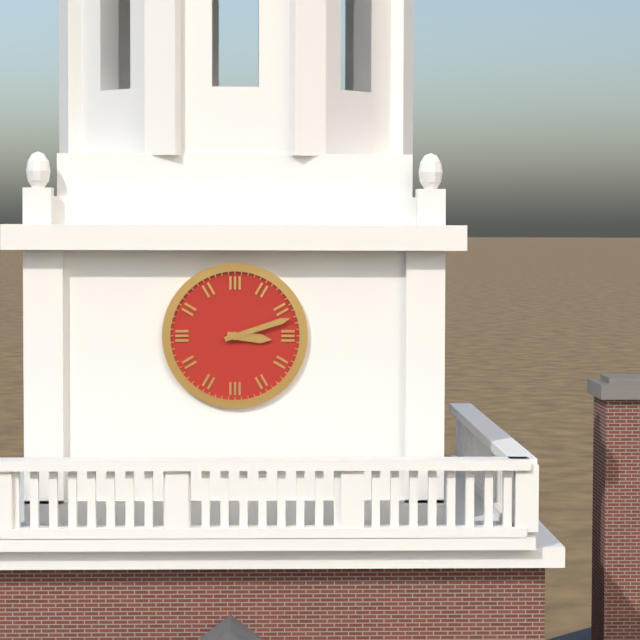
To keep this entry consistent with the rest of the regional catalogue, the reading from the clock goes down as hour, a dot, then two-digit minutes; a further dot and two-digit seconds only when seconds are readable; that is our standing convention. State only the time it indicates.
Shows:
3.12
